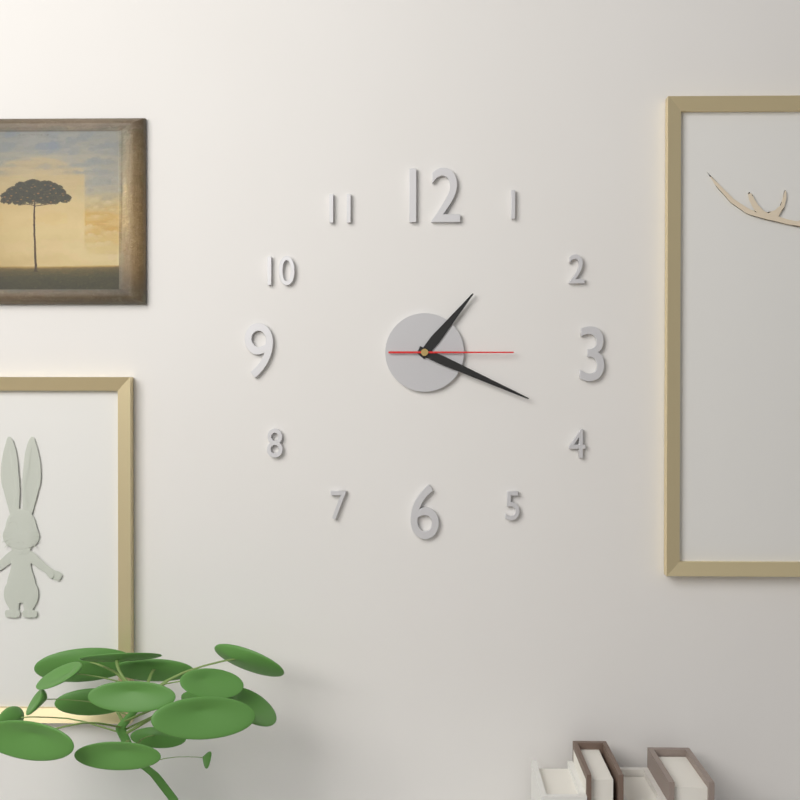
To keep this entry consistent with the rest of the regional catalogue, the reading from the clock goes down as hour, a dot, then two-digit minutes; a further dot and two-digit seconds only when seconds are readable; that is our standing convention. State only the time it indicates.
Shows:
1.19.15
